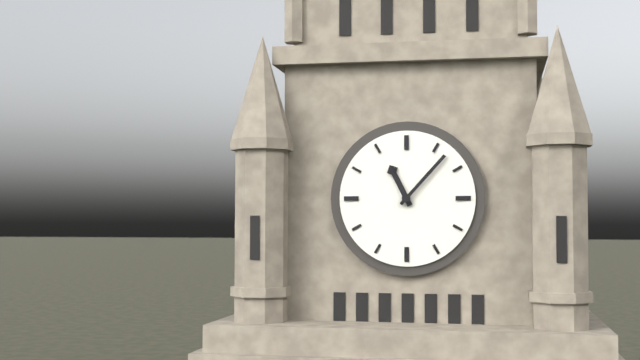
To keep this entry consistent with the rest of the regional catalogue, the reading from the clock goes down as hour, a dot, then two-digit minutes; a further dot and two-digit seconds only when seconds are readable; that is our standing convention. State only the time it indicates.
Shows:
11.07
